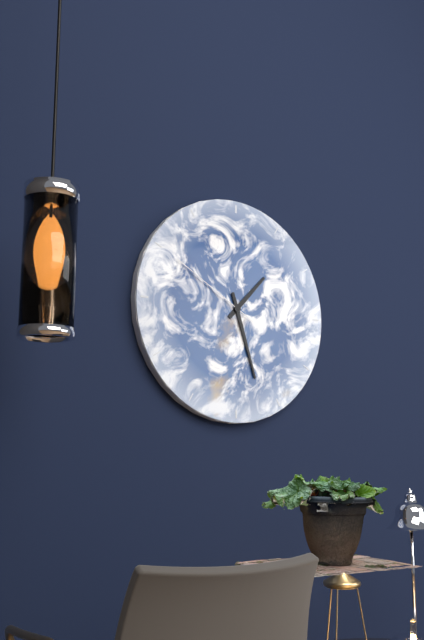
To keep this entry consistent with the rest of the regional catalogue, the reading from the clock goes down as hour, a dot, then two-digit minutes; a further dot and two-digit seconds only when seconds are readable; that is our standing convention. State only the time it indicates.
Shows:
1.27.50
